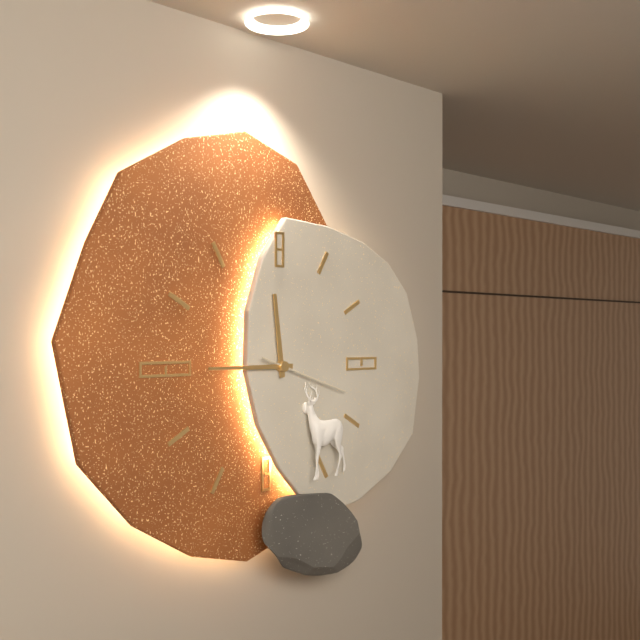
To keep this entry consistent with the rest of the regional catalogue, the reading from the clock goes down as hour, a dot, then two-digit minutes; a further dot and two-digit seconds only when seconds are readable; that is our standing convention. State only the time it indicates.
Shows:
11.45.18
